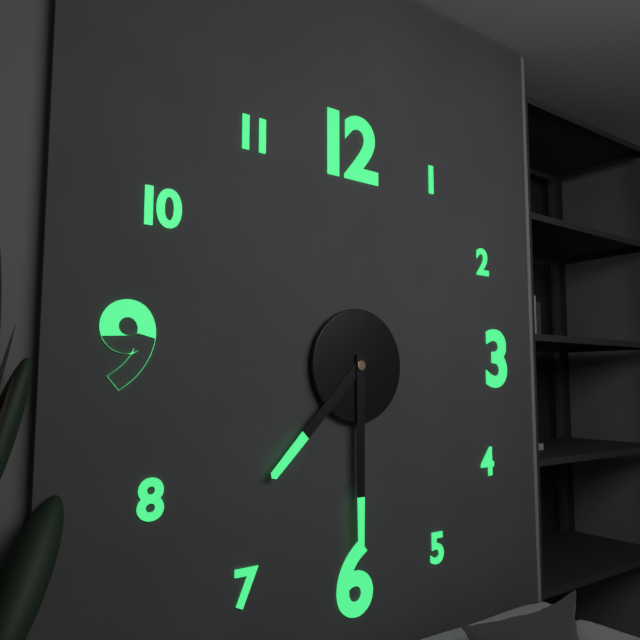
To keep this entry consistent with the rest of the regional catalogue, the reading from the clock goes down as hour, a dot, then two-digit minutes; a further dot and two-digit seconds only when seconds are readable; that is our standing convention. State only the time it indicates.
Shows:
7.30
